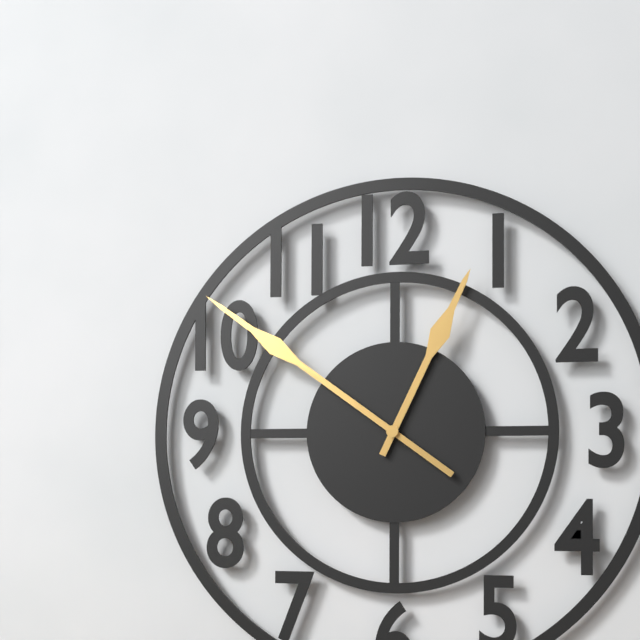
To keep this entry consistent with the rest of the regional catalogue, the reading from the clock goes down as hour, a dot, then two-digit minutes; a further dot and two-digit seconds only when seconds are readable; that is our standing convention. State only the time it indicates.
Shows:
12.51
